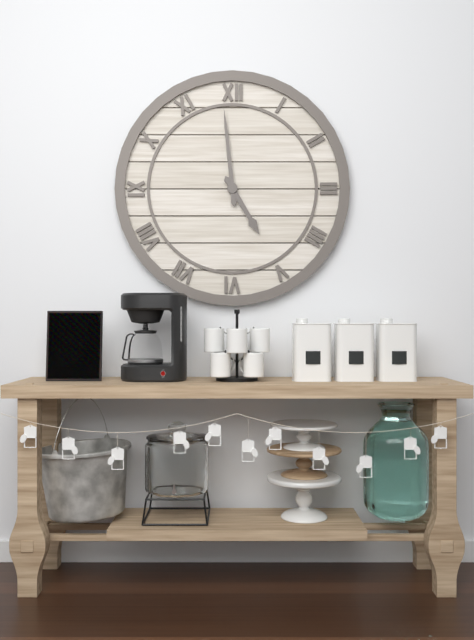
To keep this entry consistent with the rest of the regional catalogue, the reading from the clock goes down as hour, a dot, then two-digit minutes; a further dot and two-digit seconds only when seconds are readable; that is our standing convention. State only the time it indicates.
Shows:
4.59
